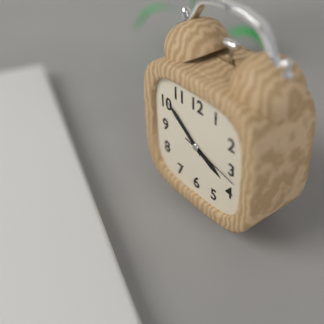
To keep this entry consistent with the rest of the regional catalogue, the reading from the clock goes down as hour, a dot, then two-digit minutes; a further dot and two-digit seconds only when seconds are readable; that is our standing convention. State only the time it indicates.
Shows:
3.51.17
